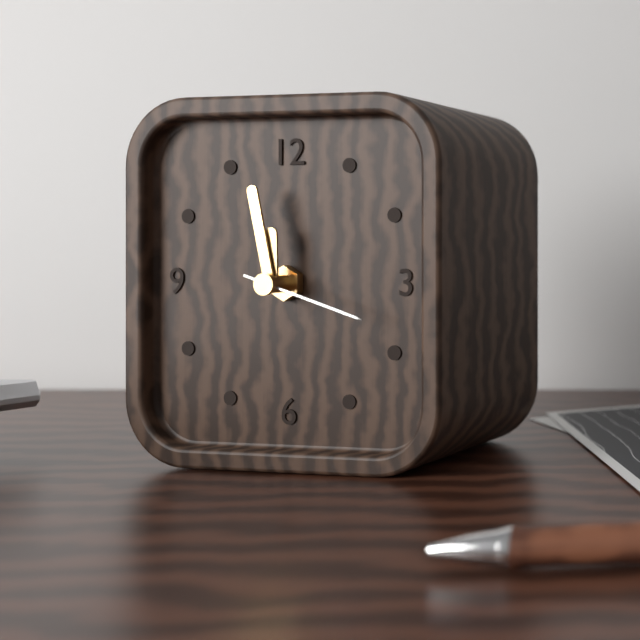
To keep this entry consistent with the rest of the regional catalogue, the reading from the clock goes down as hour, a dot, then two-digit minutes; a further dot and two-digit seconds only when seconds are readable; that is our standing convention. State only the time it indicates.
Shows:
11.58.18
